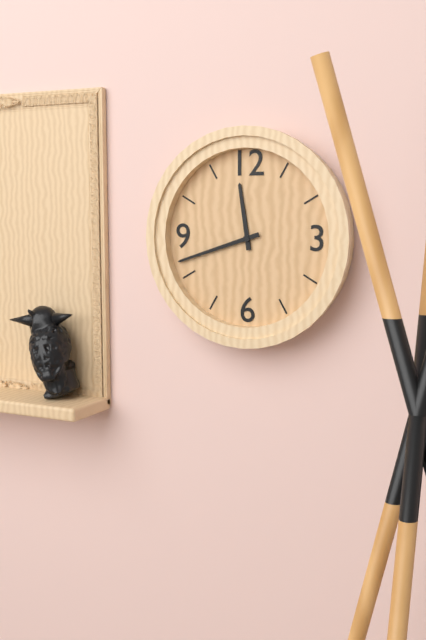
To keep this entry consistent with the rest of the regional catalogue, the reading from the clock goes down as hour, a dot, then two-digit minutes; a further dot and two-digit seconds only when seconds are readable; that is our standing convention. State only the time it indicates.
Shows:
11.42
